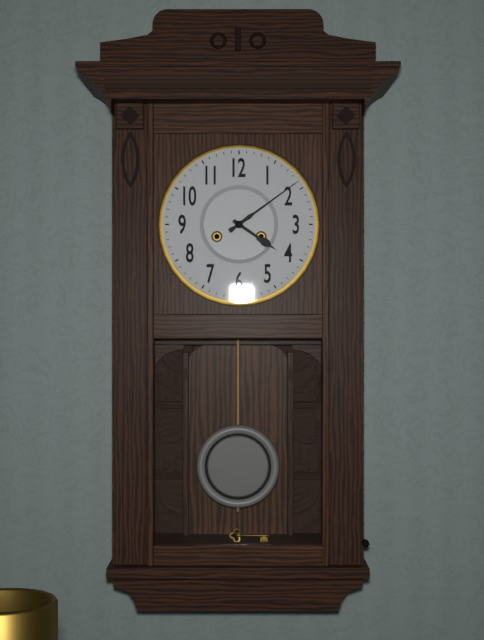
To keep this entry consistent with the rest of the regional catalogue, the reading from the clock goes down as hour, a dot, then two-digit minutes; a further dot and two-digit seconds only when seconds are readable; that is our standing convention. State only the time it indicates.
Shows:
4.09
